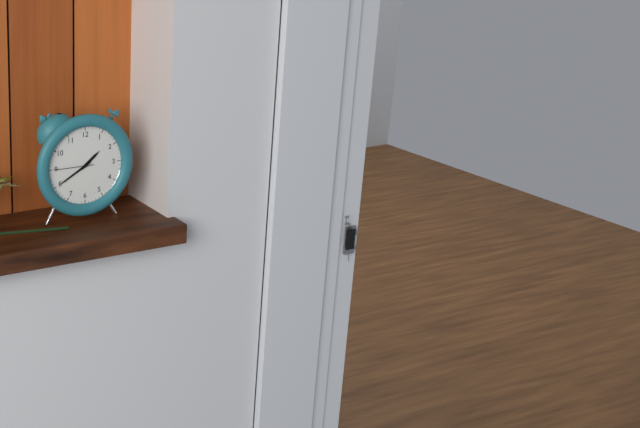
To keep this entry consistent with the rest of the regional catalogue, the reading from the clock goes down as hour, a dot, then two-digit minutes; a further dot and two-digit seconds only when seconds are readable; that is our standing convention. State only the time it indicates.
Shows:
1.40
